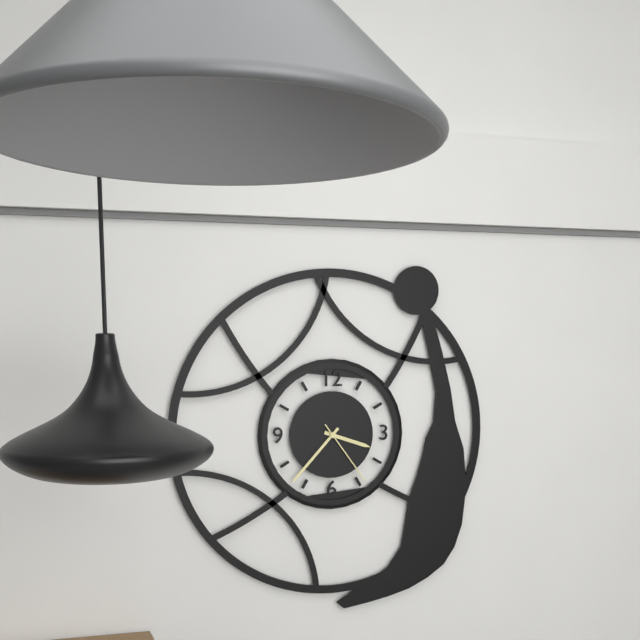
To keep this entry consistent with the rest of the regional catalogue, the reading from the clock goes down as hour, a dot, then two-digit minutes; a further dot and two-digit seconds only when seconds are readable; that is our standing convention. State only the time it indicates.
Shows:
3.37.24
